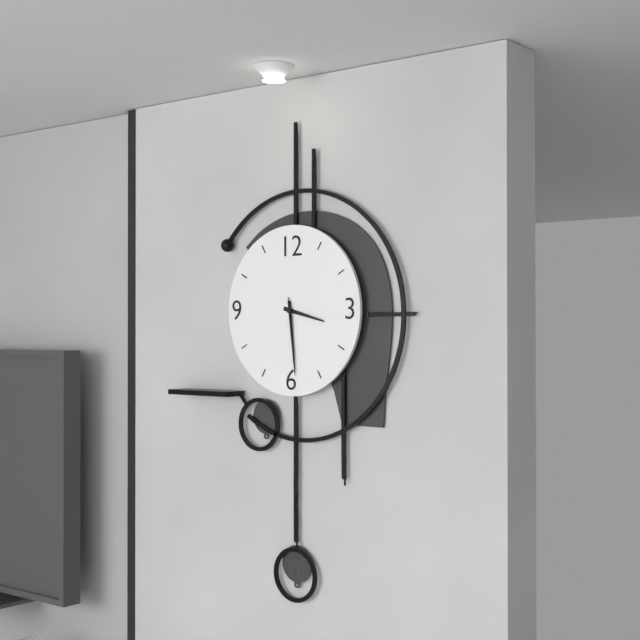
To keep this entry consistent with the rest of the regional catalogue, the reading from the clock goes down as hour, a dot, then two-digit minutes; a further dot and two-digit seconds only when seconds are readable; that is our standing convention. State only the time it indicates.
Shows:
3.29.29
